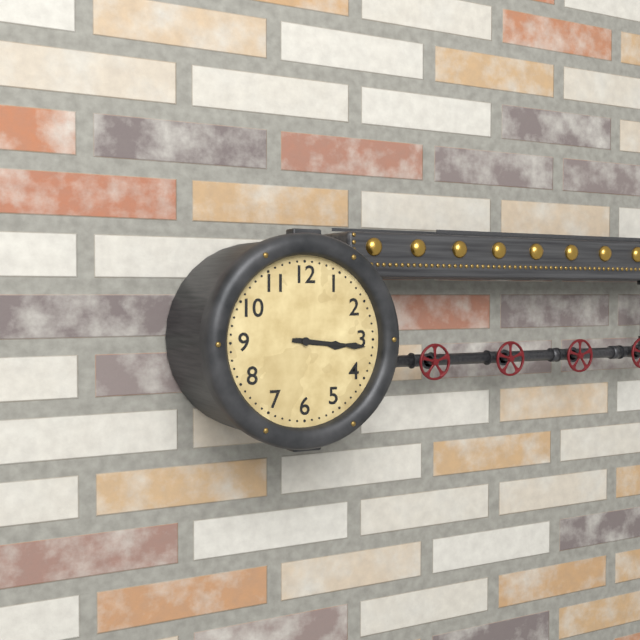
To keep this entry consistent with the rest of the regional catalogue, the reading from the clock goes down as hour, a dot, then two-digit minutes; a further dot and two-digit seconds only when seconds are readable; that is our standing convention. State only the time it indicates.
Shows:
3.16
